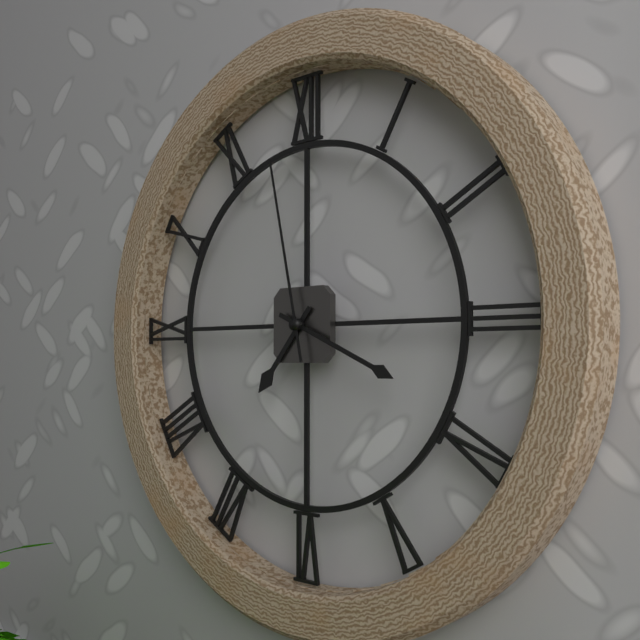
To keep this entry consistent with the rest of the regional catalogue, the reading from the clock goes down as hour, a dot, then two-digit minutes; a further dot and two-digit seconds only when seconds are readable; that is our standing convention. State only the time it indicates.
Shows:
7.19.58
